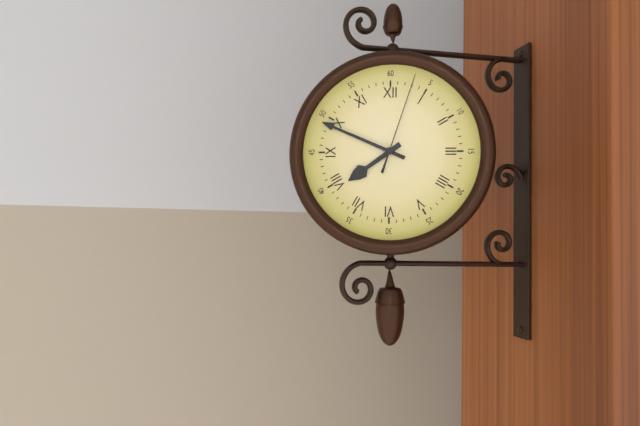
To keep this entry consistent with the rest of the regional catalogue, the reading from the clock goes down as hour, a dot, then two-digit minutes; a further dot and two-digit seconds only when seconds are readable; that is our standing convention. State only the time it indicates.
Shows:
7.49.03
